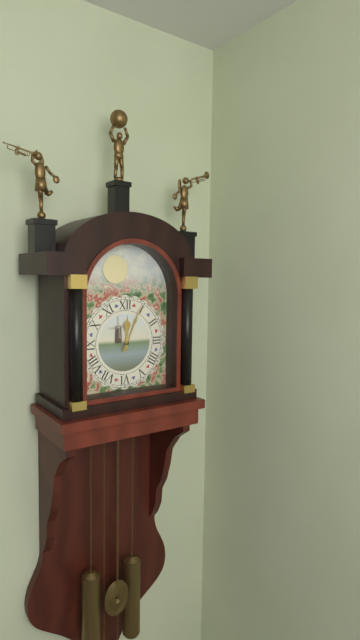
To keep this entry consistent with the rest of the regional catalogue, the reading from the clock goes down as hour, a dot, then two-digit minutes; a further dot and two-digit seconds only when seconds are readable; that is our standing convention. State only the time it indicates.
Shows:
12.04
